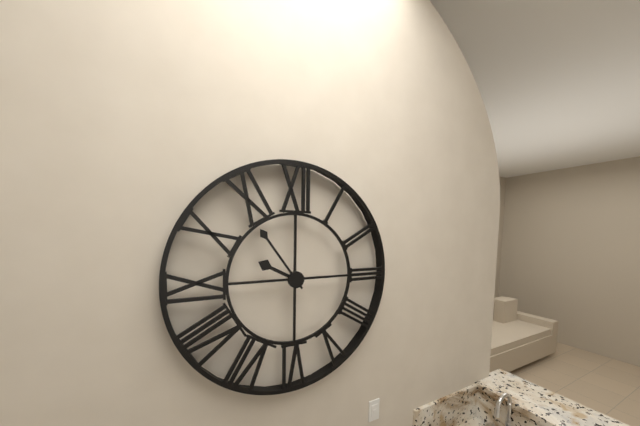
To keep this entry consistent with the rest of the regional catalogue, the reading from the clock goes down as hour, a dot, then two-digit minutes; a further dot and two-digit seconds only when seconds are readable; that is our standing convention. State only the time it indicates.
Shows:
9.54
